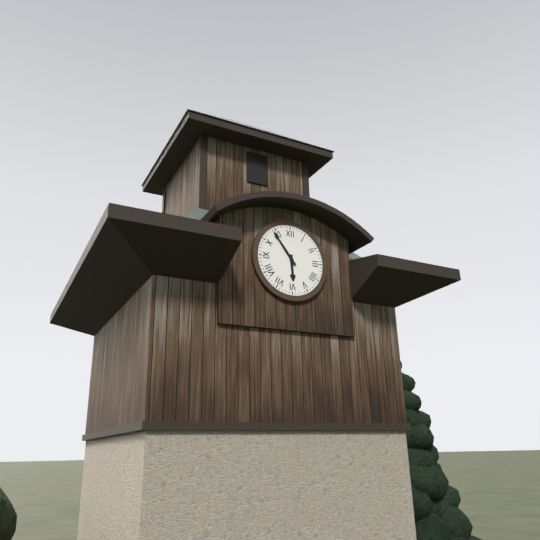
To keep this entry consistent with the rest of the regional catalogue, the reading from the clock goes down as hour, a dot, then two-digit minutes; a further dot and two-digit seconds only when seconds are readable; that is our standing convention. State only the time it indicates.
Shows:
5.54
